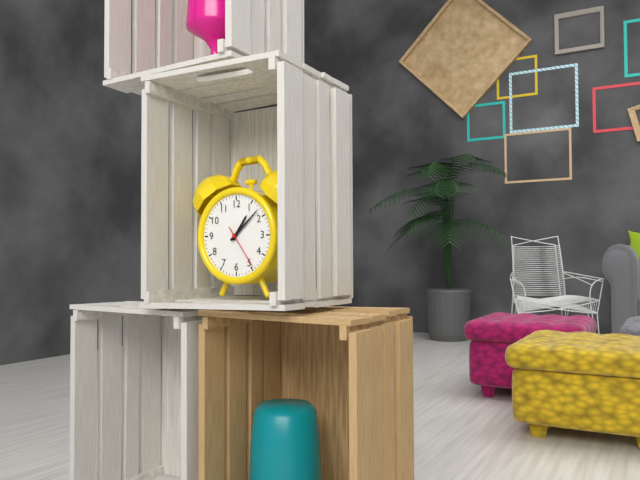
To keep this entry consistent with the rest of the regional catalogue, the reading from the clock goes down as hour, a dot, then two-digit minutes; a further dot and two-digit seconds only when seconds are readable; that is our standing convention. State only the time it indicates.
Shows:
1.08
